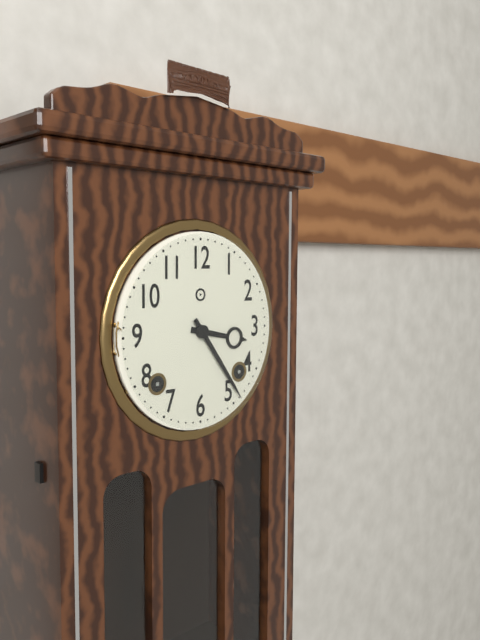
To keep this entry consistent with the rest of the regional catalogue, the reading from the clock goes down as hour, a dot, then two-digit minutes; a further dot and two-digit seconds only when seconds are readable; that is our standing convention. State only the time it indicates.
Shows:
3.24
